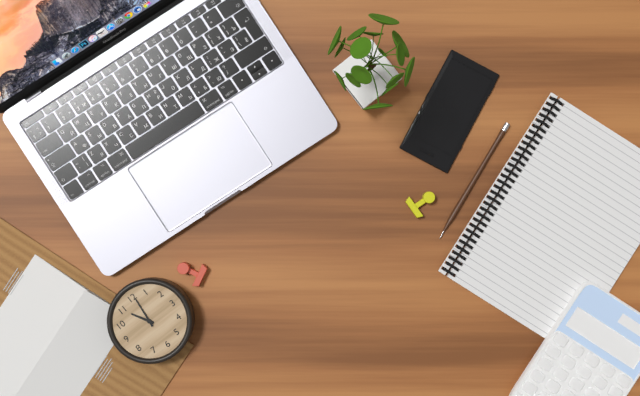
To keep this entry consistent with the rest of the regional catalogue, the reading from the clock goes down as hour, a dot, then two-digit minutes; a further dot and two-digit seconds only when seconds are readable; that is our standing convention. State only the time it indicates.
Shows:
11.01
